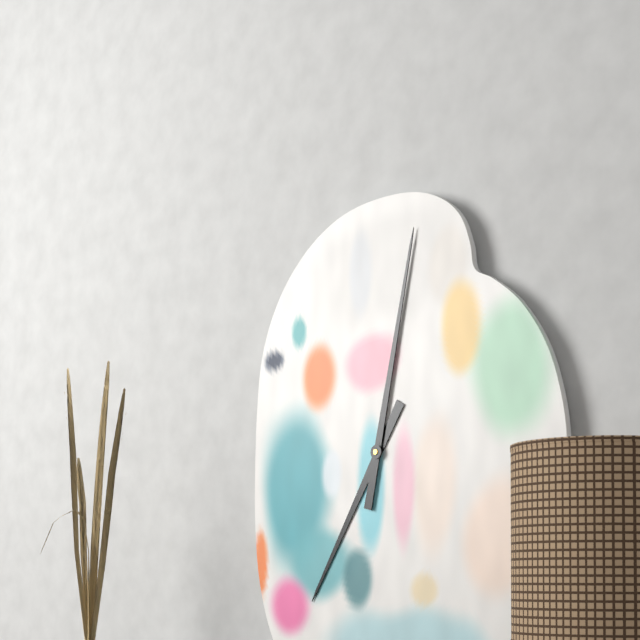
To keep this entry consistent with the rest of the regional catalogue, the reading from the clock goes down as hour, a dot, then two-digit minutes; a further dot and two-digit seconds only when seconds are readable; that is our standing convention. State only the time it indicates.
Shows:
7.02
